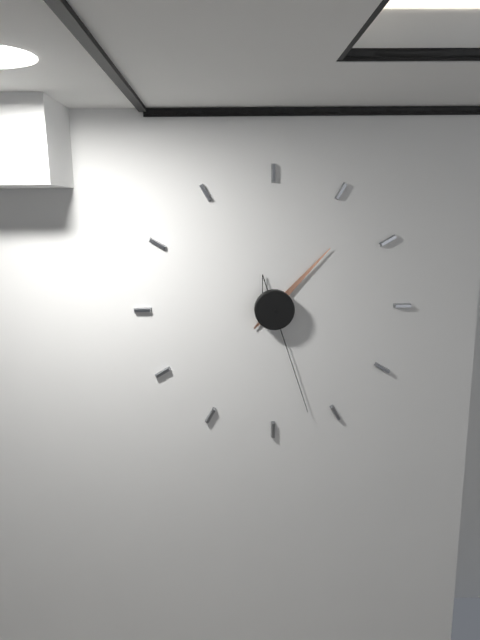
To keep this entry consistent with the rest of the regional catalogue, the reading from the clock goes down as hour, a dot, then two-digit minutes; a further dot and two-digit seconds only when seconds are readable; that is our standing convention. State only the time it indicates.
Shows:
1.27
